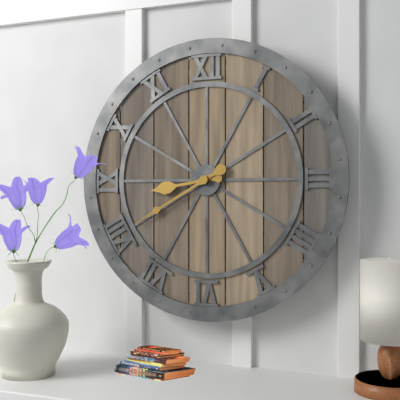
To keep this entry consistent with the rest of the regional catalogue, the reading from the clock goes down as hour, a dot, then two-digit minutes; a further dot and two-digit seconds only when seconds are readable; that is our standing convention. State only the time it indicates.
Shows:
8.40
